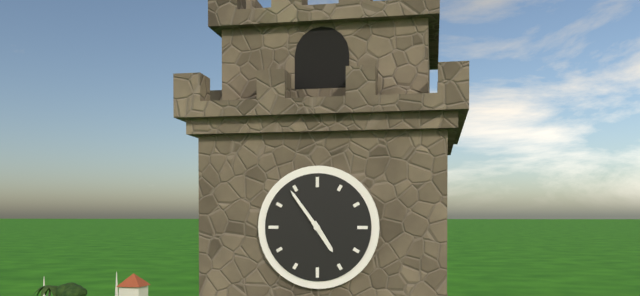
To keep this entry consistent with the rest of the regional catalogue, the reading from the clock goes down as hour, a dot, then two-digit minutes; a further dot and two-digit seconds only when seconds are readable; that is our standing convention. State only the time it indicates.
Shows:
4.54
